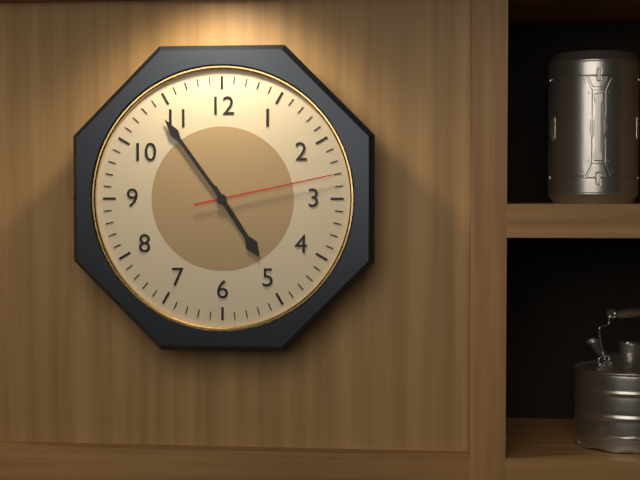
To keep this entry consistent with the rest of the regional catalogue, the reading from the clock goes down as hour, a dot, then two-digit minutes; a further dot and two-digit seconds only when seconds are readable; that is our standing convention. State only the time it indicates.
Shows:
4.54.13
